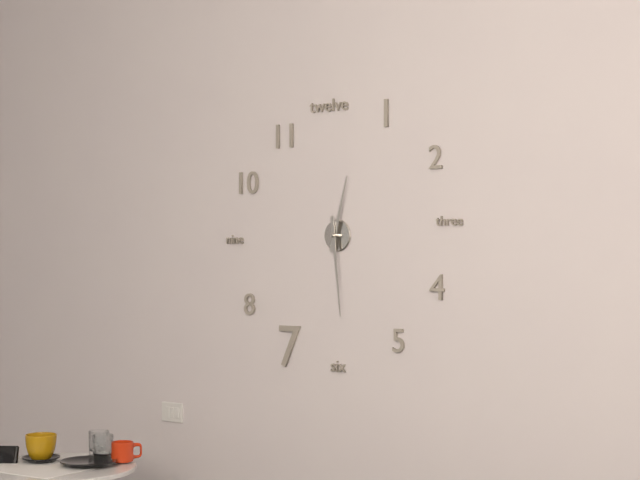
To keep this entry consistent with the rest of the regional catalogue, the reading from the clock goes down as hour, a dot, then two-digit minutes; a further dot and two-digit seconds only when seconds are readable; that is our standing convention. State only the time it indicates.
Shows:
12.29
